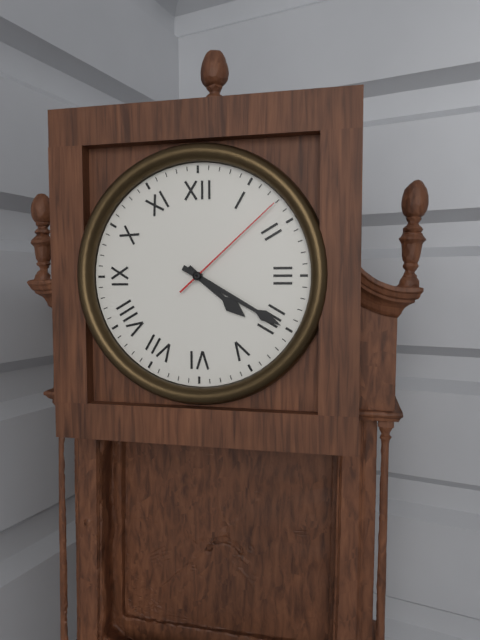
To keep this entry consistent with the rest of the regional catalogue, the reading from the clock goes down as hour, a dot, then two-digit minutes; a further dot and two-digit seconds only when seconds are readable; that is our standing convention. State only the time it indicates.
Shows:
4.20.08
